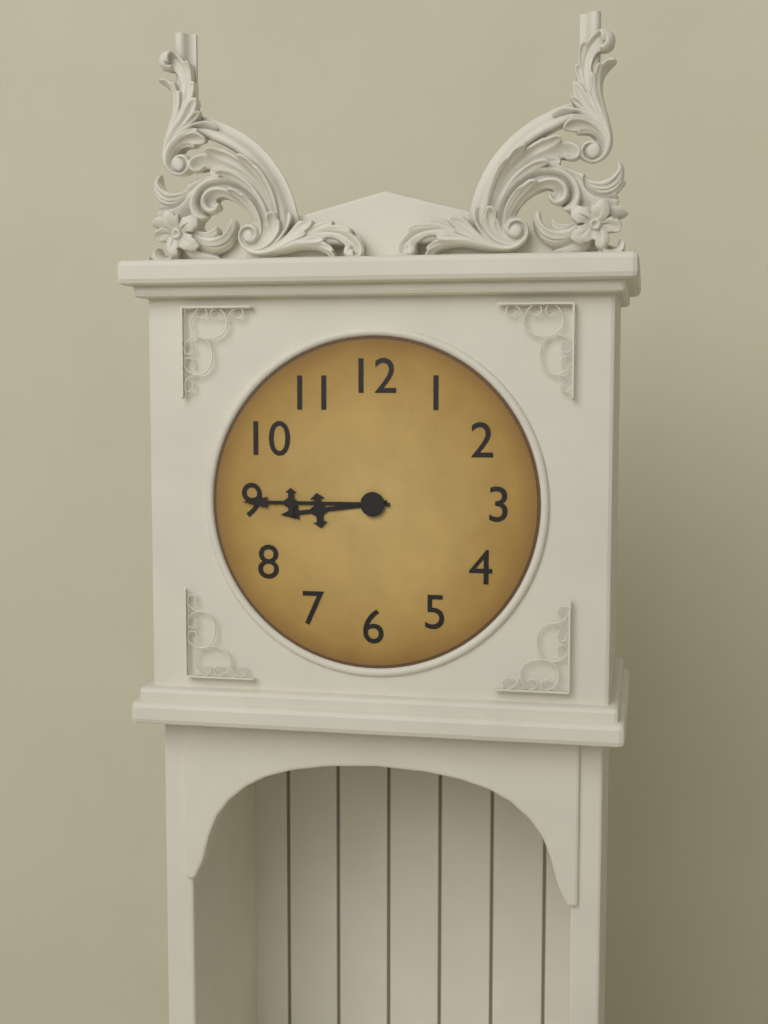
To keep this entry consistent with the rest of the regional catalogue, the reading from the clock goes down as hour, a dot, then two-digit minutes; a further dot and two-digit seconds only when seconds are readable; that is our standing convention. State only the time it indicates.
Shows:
8.45
